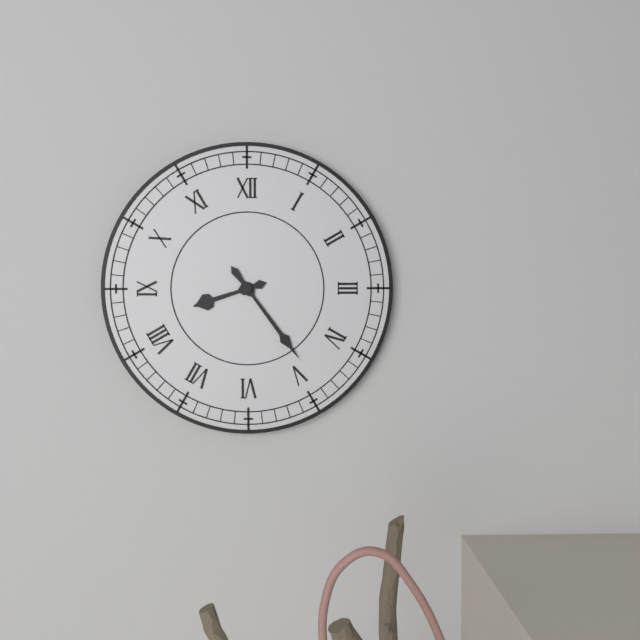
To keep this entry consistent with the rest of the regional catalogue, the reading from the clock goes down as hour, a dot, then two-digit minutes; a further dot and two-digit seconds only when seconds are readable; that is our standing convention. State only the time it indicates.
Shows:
8.24
